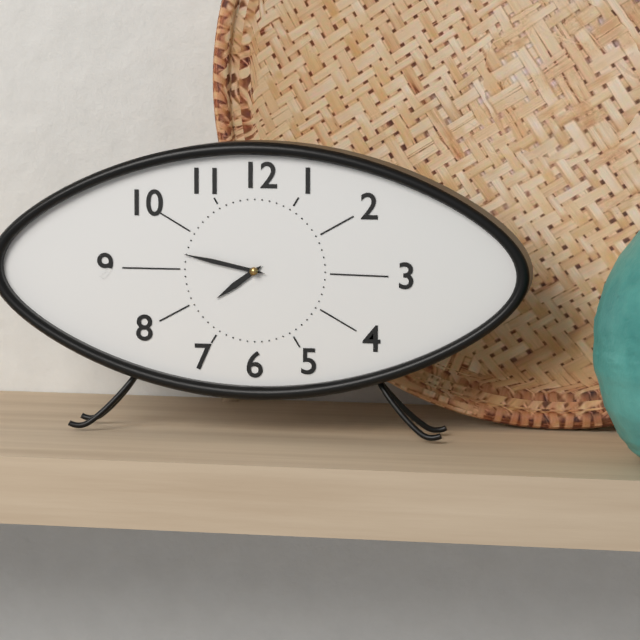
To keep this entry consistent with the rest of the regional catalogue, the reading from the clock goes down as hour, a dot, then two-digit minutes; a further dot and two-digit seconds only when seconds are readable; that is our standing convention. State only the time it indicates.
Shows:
7.47
